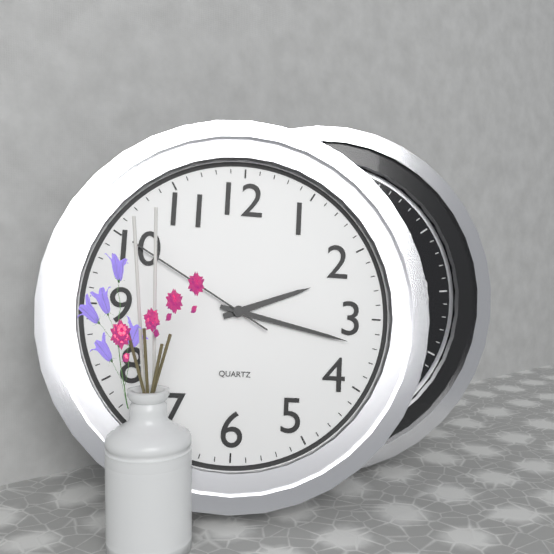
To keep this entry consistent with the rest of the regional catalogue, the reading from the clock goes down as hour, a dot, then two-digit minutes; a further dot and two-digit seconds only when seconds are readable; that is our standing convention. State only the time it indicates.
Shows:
2.17.50
